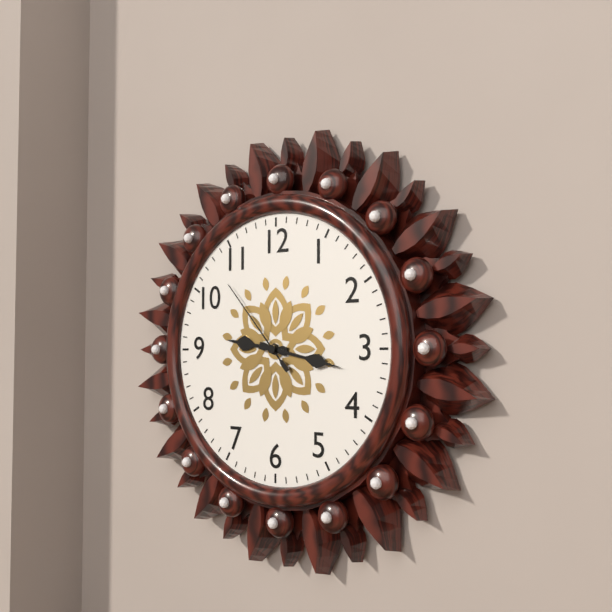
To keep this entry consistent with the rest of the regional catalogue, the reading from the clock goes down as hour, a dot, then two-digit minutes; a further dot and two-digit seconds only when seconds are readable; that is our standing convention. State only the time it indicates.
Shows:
9.17.53
